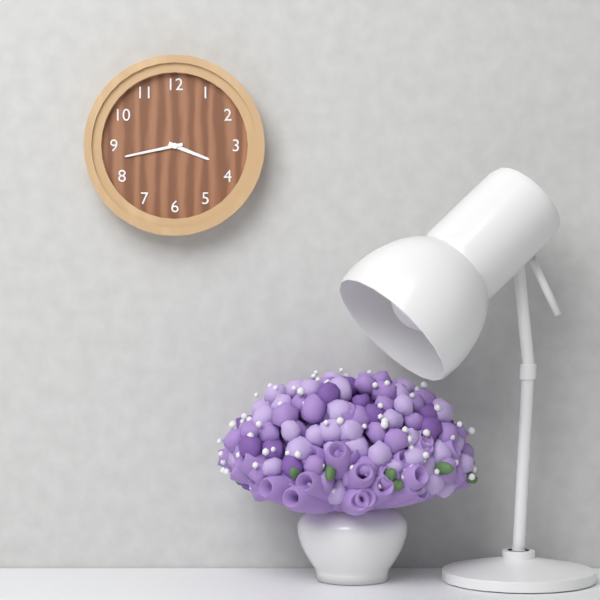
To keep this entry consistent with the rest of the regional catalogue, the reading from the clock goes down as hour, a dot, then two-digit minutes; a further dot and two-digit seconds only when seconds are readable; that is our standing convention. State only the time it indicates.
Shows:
3.43
